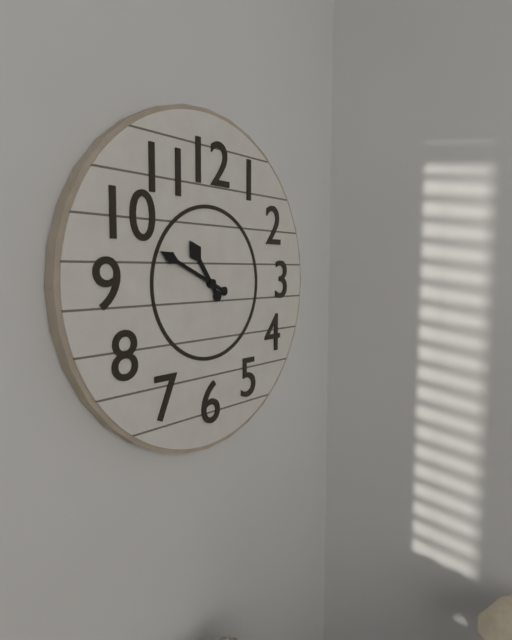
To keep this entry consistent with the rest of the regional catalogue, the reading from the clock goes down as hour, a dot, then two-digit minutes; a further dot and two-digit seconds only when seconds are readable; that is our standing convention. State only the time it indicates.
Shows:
10.49
